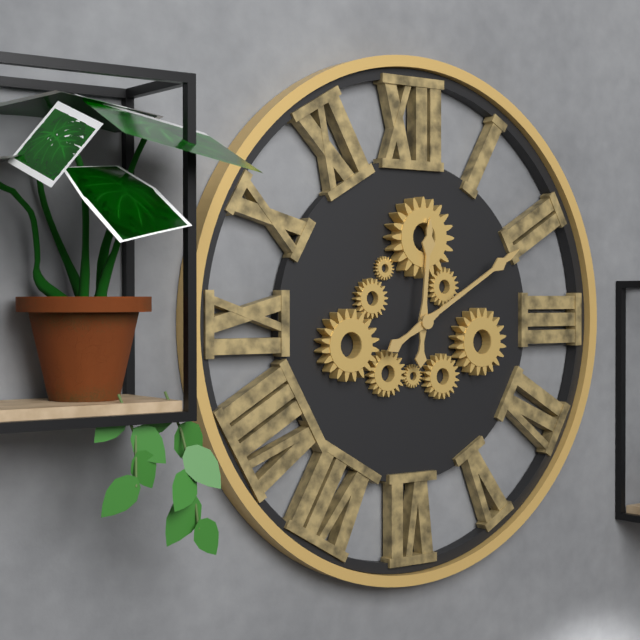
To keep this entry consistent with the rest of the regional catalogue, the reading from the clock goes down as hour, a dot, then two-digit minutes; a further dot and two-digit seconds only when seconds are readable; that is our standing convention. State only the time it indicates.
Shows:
12.10
